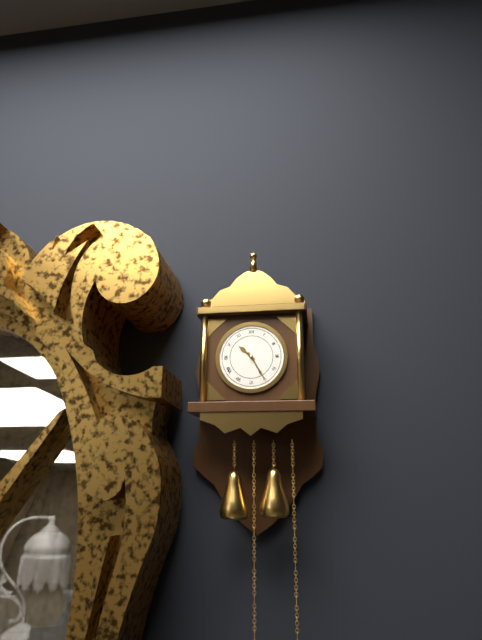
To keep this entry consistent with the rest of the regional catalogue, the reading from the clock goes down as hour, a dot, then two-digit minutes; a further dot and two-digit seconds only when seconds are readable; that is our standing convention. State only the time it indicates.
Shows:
10.25
